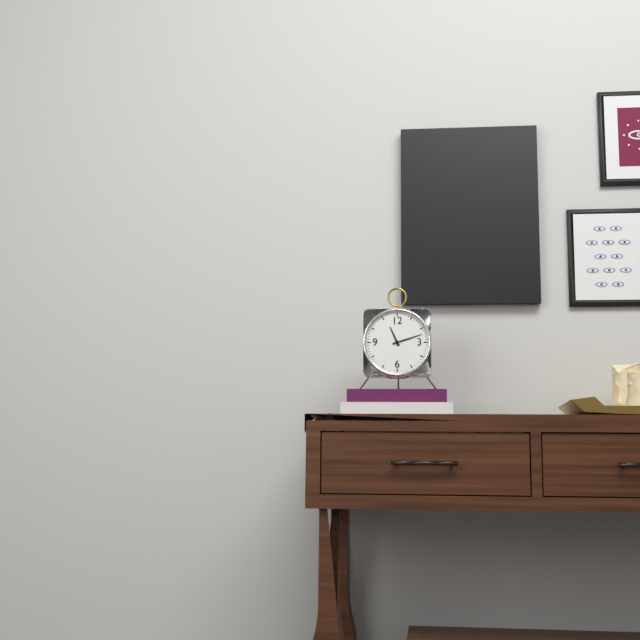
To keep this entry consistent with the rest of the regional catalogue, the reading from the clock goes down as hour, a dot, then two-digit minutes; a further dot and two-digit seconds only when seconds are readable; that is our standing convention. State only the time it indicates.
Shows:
11.12
